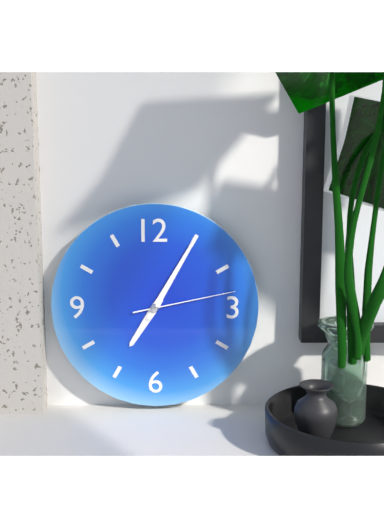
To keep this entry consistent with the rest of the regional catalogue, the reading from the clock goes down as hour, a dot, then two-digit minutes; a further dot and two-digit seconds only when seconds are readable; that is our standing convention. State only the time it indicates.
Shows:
7.05.13
